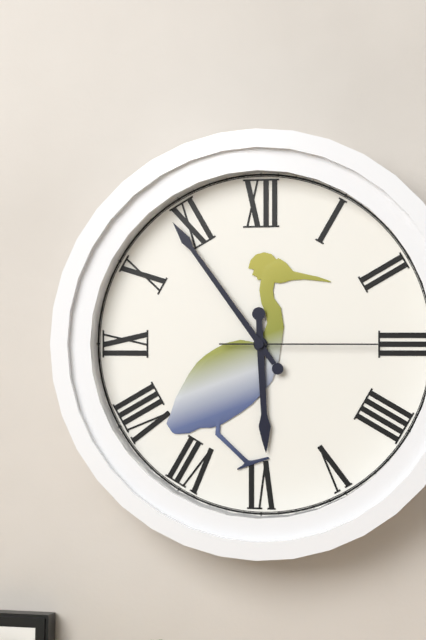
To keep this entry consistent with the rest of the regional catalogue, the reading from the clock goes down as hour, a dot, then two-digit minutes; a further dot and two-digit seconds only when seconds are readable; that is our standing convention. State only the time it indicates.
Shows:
5.54.15
